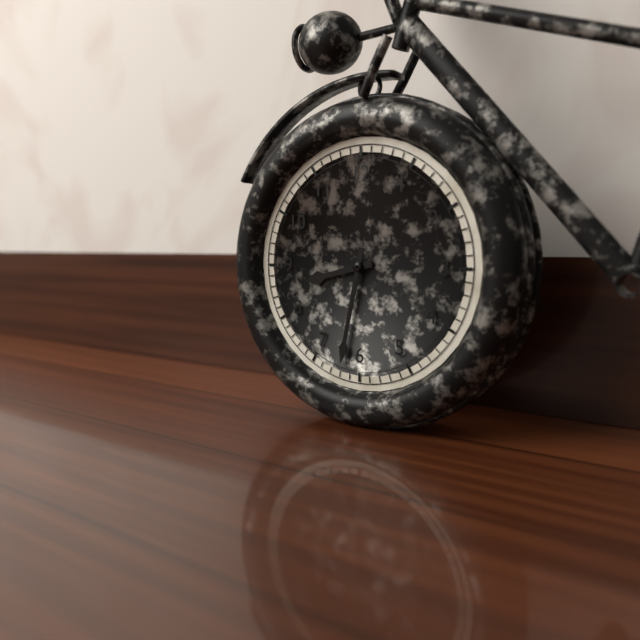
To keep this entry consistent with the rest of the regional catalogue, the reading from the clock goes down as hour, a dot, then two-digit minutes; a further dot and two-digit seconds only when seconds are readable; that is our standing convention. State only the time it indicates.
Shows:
8.32
